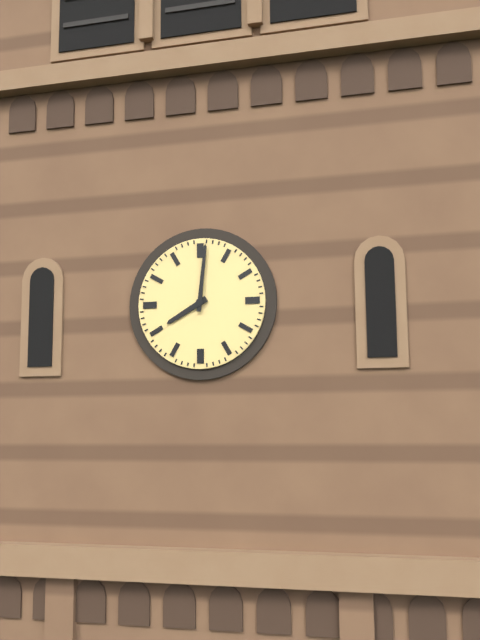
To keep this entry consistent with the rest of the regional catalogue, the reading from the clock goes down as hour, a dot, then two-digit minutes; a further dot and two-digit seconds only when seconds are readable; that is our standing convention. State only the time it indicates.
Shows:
8.01
